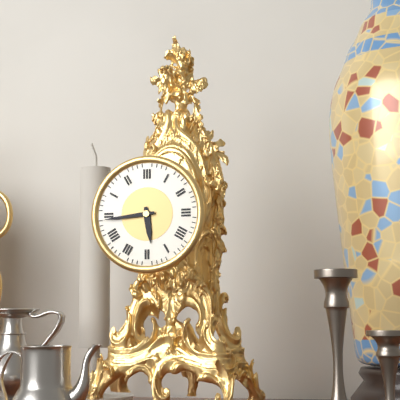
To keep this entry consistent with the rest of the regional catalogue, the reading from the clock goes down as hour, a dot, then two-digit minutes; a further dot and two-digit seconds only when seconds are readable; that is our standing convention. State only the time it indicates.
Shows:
5.44
